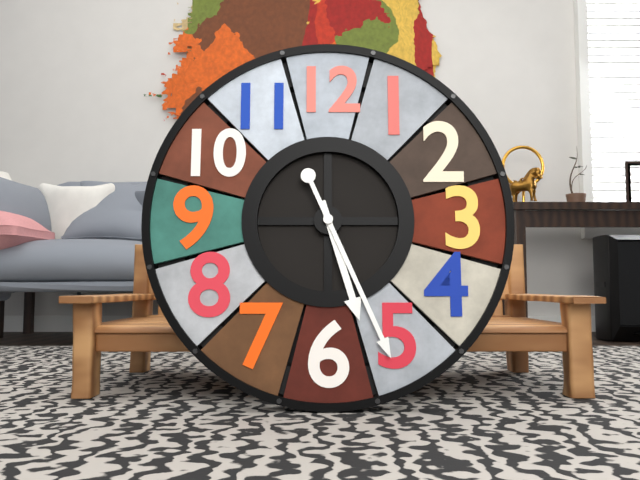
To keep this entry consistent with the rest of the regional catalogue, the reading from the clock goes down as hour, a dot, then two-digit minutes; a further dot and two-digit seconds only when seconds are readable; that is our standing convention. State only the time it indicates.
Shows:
5.26
